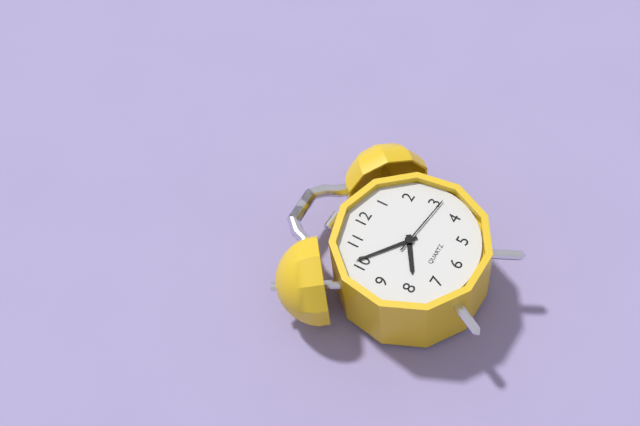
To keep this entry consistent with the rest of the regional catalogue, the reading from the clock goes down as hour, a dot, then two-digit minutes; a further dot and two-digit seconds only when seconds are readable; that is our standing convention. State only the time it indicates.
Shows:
7.51.16
